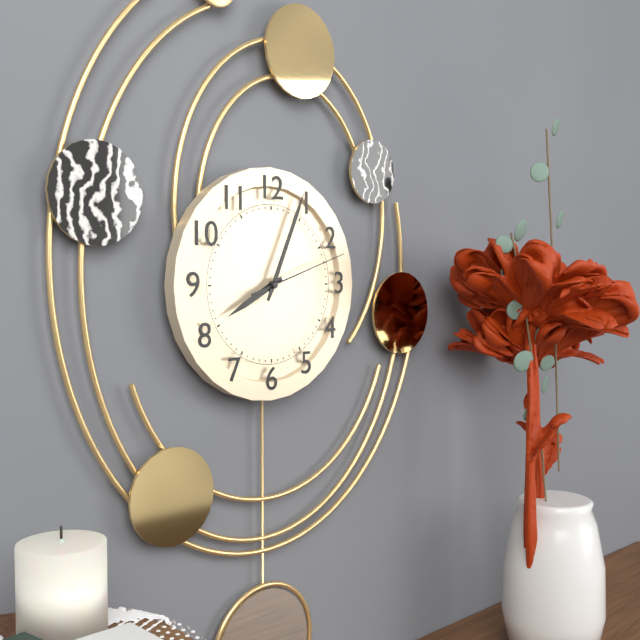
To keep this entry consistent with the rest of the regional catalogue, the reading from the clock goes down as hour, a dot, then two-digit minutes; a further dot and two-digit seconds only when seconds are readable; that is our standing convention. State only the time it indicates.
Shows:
8.04.12
